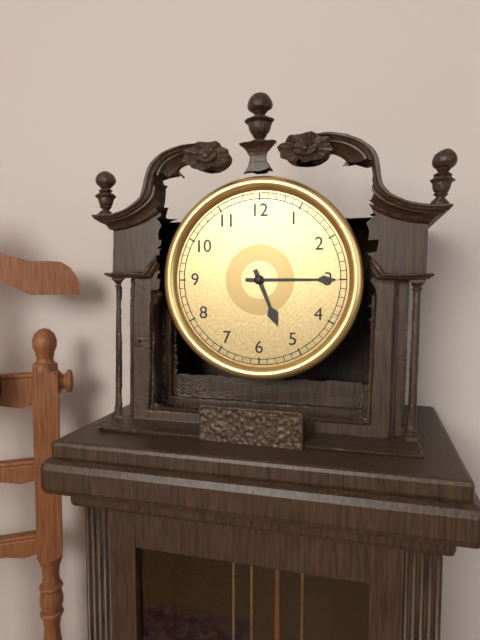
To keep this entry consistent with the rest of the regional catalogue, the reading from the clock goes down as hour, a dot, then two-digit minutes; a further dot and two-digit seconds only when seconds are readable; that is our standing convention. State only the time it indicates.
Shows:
5.15
